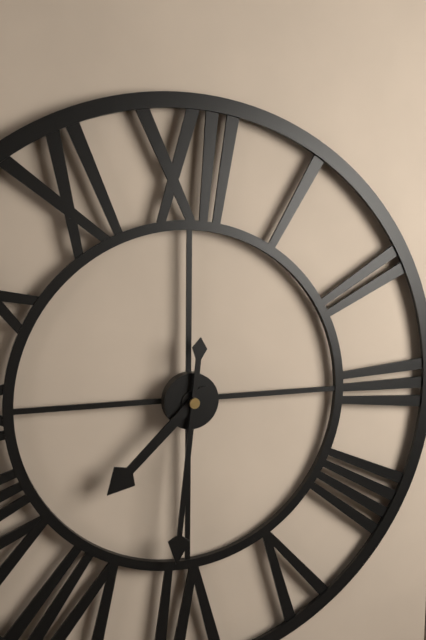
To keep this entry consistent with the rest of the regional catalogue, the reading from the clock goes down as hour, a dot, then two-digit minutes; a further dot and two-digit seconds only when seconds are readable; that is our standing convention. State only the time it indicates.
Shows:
7.31
